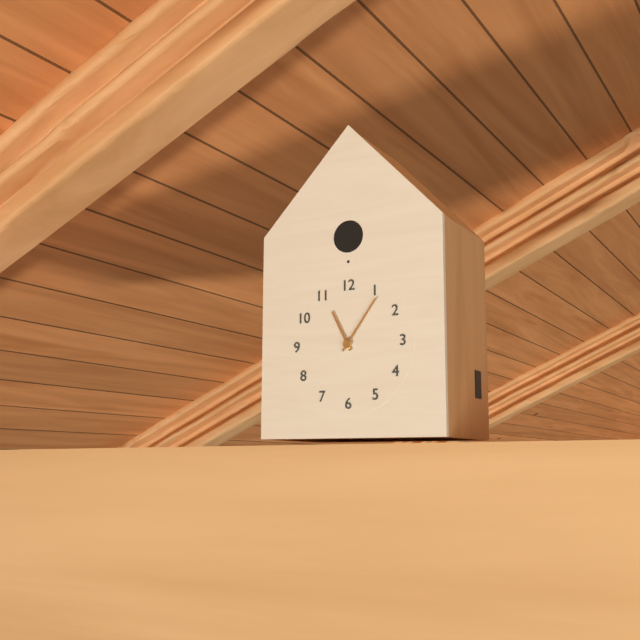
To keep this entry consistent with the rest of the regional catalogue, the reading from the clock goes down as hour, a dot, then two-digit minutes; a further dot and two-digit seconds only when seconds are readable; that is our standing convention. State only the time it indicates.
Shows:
11.06
